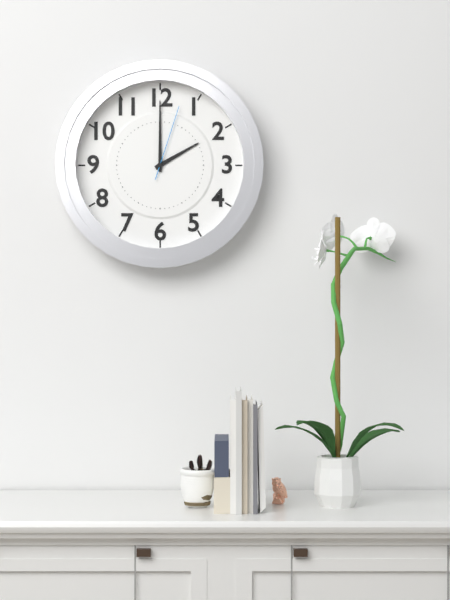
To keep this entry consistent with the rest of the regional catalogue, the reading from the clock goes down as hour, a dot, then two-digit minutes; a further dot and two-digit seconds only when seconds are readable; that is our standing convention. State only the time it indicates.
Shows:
2.00.03
